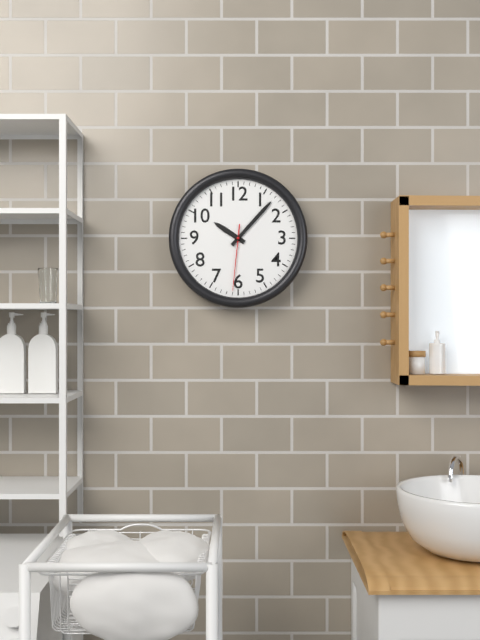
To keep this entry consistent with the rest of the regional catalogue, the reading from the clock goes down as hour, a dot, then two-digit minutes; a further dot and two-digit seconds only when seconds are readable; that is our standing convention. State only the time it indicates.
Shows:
10.07.31
